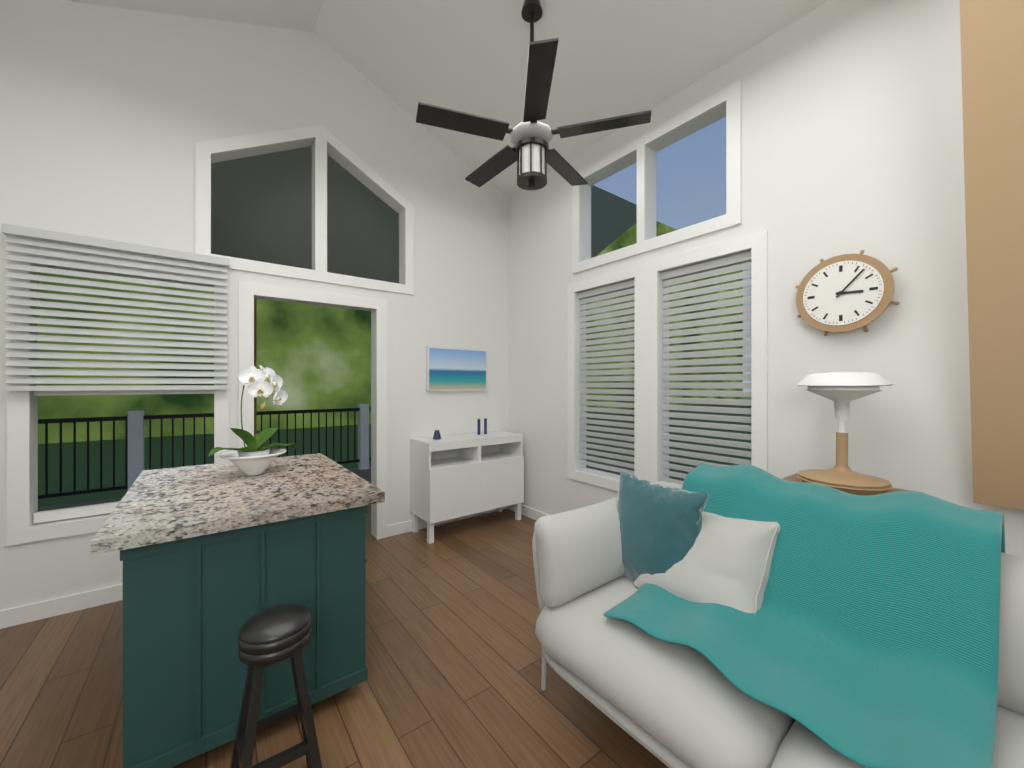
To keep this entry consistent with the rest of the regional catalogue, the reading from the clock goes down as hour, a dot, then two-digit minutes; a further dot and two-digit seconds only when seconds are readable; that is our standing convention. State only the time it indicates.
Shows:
3.07
